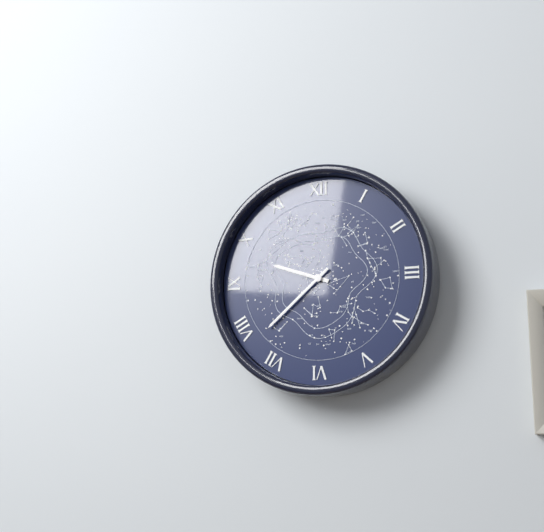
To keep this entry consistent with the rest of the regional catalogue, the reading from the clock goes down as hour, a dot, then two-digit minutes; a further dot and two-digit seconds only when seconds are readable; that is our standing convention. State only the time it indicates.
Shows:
9.38
